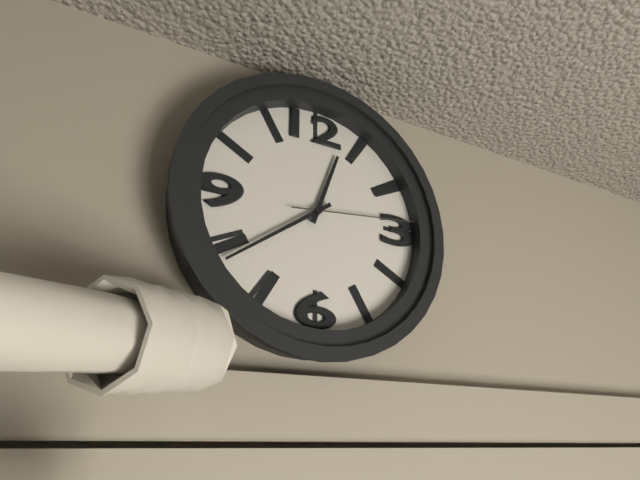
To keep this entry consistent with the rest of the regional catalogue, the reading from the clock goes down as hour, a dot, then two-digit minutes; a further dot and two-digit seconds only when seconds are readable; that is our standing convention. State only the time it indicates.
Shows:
12.39.14
